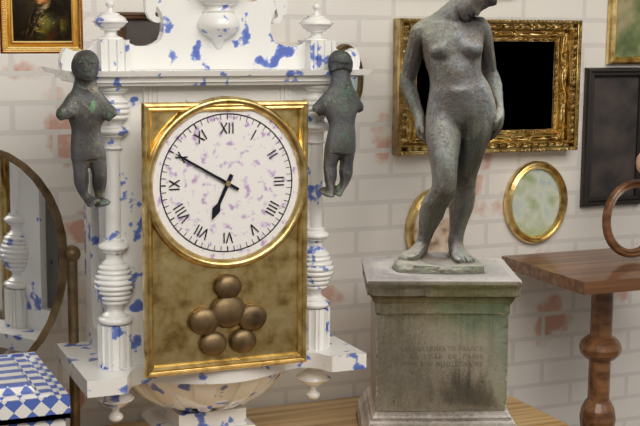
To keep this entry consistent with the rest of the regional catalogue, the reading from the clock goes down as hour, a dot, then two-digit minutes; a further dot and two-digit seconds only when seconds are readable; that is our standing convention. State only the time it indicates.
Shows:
6.50
